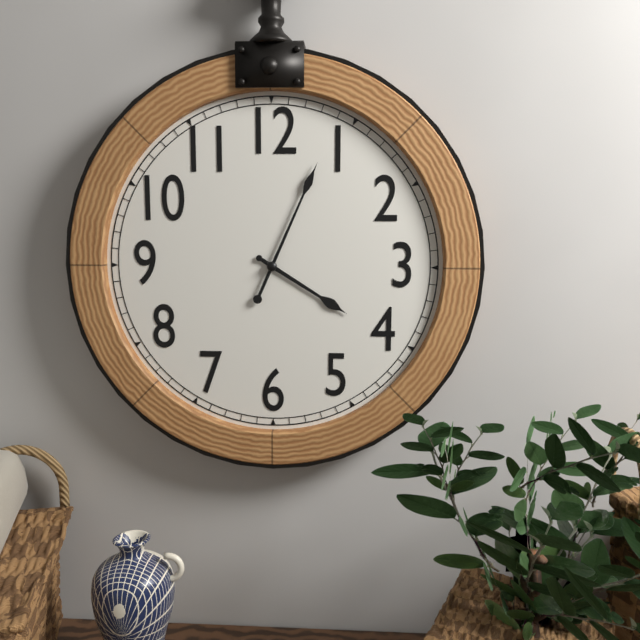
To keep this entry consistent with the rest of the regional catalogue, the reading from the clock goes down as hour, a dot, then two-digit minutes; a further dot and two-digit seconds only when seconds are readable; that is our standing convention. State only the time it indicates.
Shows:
4.04
